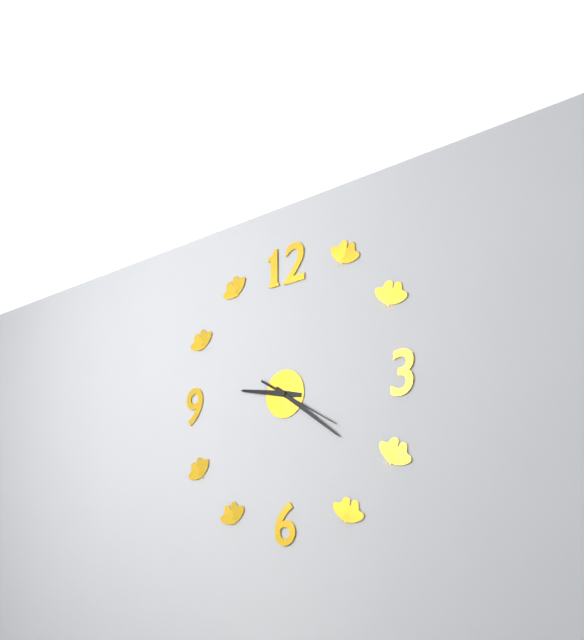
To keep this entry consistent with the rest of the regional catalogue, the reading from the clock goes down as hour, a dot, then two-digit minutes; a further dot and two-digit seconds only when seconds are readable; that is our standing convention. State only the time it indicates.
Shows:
9.21.20
